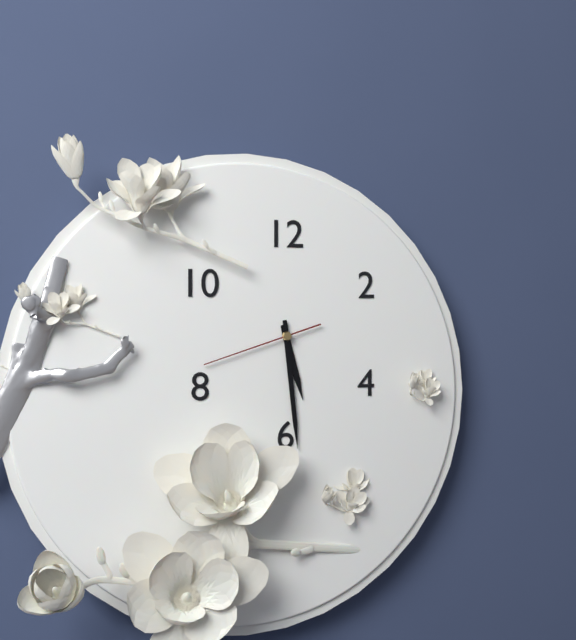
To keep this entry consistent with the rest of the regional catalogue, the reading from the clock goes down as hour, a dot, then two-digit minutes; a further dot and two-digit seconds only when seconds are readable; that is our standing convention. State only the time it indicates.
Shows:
5.29.42
